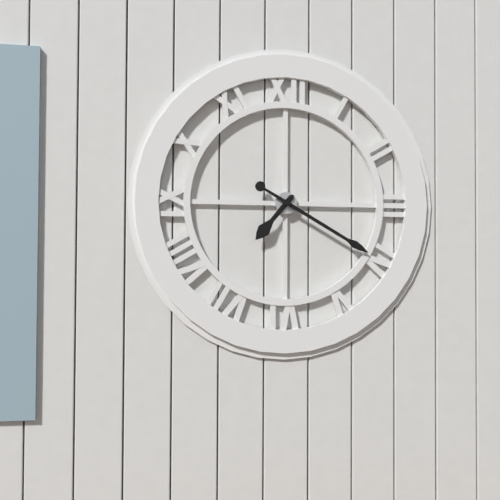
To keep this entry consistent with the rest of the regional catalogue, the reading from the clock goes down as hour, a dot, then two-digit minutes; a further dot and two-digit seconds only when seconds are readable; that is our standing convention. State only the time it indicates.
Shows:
7.20
